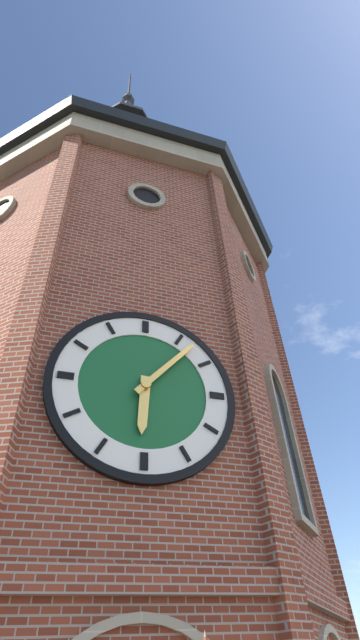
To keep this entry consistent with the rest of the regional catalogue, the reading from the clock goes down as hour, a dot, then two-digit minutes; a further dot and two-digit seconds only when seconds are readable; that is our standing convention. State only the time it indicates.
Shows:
6.07
